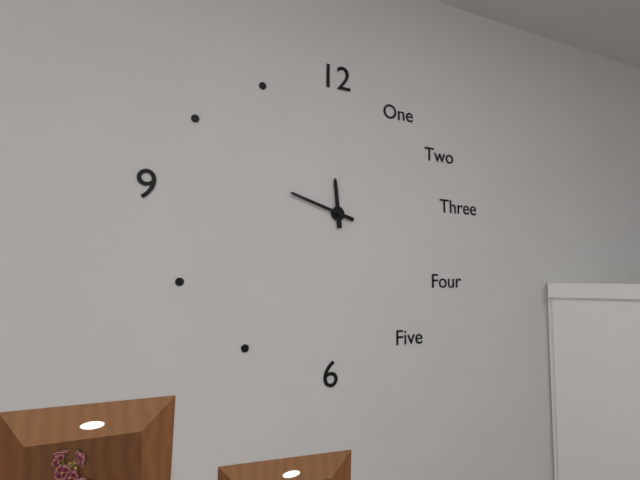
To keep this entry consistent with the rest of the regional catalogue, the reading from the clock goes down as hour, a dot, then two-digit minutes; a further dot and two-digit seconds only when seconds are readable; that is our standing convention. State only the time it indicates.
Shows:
11.48
